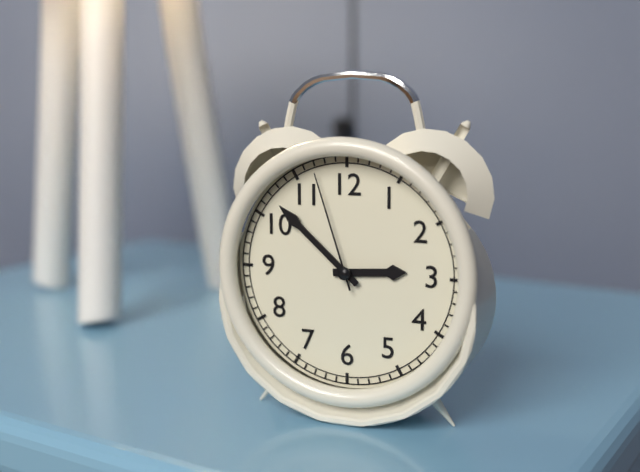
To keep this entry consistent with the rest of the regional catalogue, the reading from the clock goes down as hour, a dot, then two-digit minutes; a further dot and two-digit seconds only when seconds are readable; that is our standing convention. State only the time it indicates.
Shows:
2.52.57
